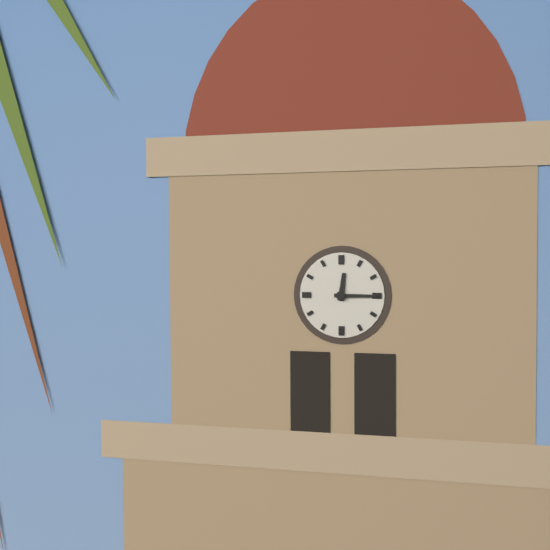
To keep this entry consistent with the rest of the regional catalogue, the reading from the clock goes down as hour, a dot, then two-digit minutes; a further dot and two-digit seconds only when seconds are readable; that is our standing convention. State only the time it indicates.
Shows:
12.15
